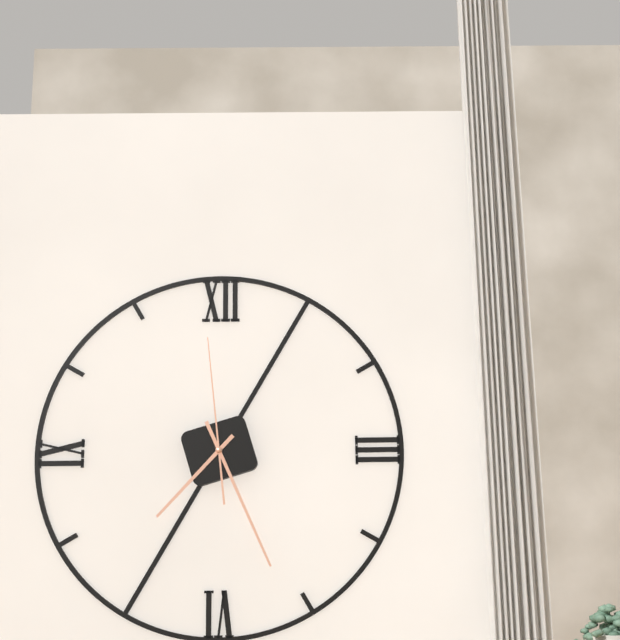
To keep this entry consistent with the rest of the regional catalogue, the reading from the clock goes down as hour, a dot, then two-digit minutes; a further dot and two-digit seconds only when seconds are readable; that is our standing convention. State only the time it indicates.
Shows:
7.26.59
